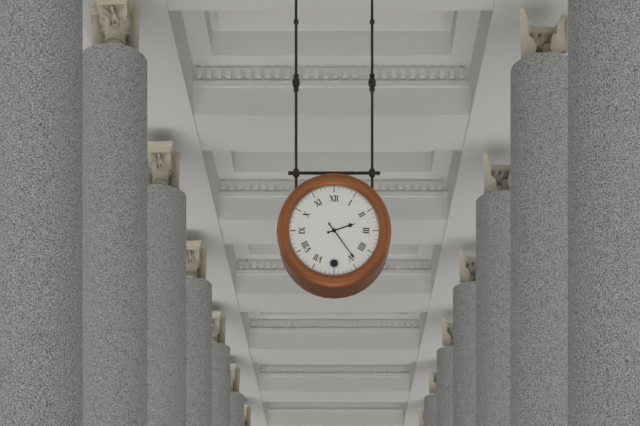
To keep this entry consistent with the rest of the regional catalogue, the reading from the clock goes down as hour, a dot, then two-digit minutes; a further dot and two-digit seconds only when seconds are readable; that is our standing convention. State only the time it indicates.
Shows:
2.24
